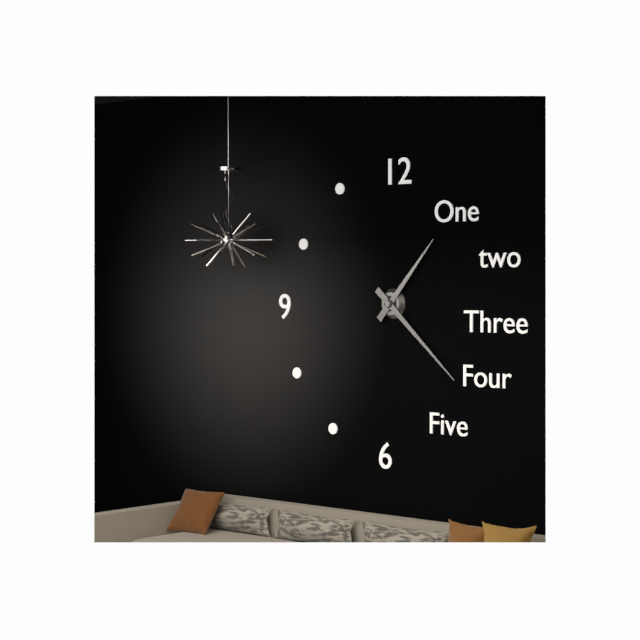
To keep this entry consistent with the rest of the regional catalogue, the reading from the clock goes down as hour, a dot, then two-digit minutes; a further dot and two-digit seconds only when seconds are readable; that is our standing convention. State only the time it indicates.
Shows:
1.22
